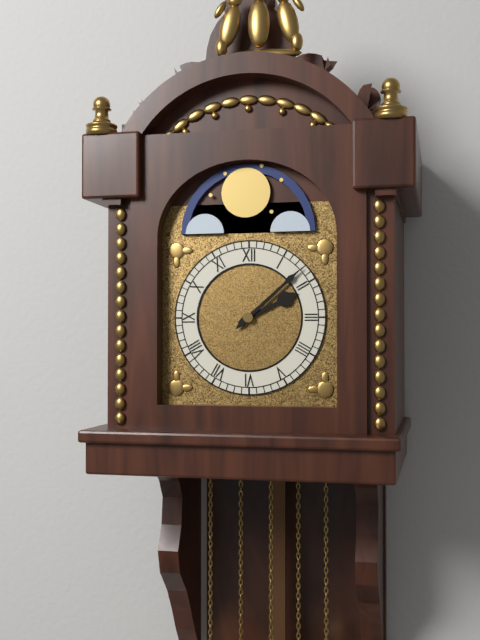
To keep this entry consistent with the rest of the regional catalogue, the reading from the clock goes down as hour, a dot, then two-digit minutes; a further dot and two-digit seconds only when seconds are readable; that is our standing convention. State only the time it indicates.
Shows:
2.08
